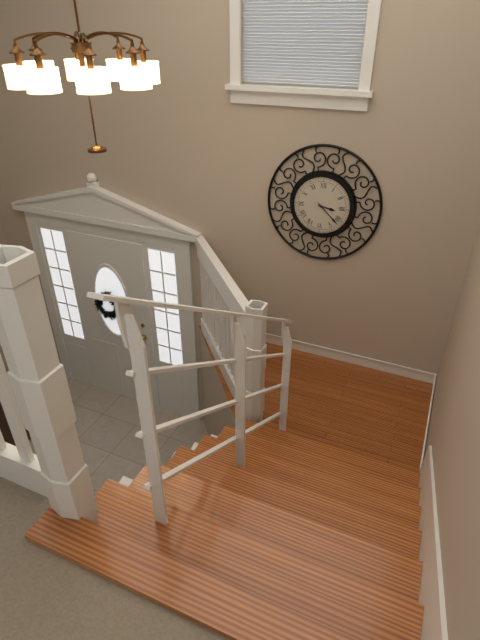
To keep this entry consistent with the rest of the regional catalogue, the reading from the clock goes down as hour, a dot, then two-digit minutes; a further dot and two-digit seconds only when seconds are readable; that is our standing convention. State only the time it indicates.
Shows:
3.22
